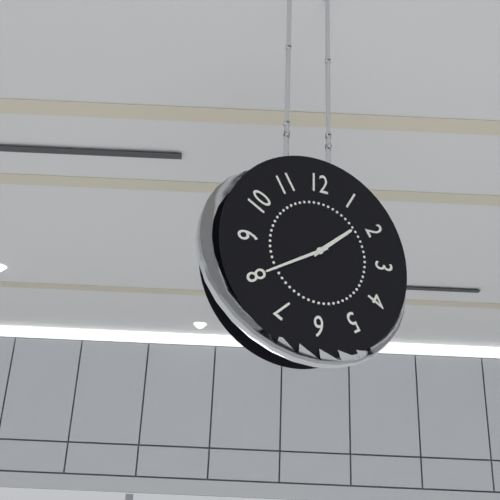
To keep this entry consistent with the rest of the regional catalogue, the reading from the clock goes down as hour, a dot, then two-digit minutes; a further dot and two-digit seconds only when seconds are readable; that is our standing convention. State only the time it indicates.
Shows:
1.40
